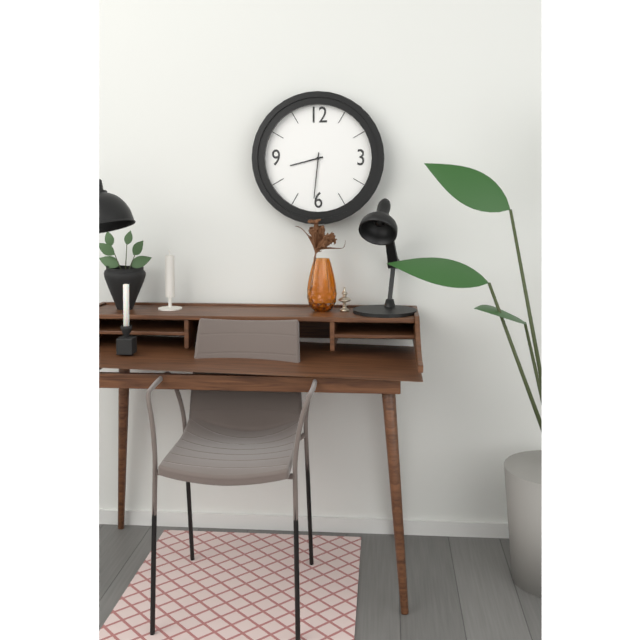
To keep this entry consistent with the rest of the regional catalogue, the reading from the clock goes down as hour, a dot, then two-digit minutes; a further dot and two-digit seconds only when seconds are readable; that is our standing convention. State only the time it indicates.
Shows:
8.31
